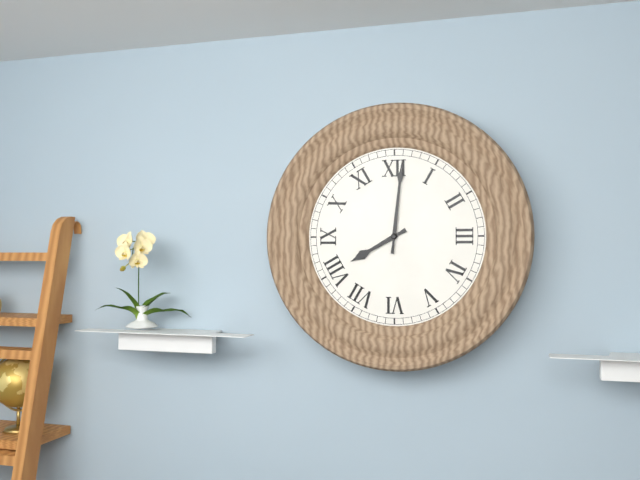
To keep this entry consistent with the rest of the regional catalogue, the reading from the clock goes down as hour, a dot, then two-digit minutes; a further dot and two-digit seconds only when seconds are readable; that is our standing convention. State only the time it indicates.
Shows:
8.01
